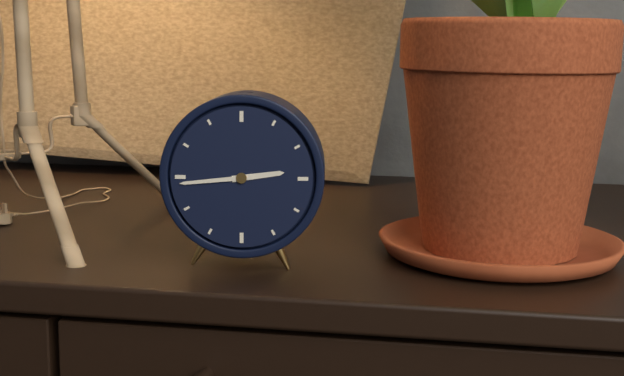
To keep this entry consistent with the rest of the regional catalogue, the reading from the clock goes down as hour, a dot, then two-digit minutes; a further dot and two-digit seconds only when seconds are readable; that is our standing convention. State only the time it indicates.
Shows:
2.44
